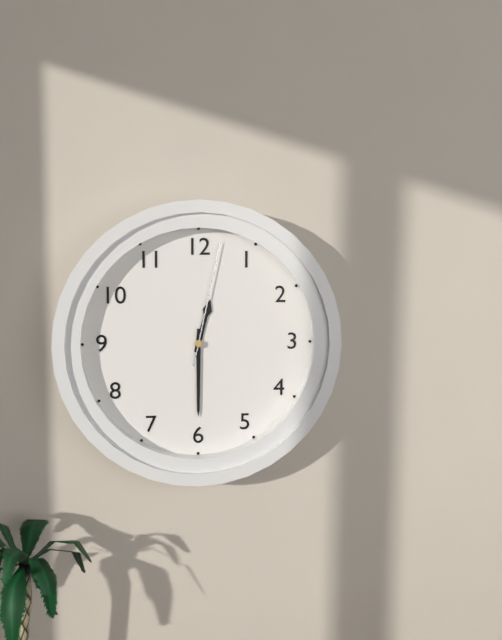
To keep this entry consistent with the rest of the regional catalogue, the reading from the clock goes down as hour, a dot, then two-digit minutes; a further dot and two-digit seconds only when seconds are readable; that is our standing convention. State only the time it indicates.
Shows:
12.30.02
